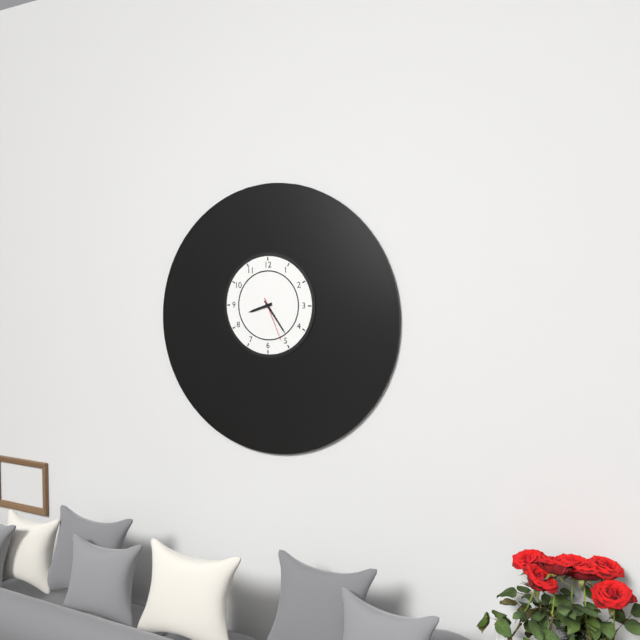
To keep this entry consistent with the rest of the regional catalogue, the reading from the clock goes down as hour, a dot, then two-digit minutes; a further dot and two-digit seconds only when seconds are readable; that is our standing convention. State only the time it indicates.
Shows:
8.24
